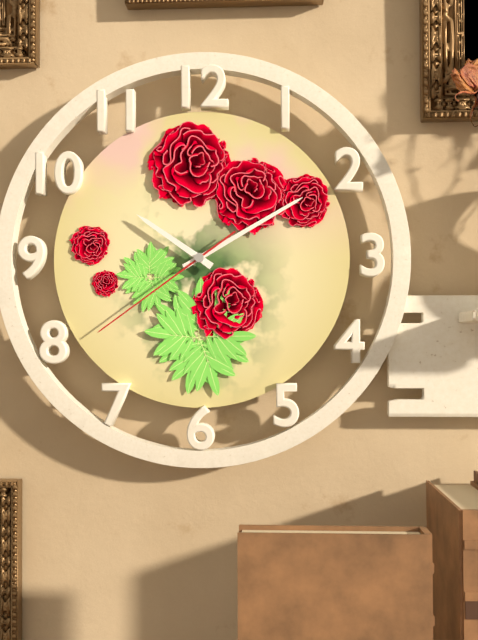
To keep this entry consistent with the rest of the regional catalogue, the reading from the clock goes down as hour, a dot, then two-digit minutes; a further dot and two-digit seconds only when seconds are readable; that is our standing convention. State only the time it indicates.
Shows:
10.10.39
